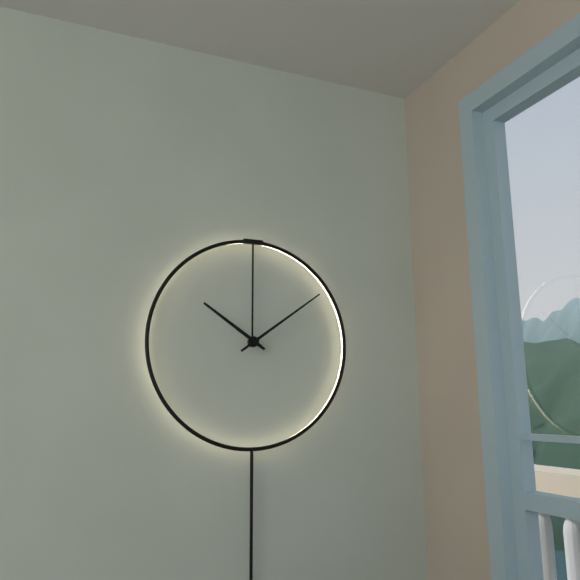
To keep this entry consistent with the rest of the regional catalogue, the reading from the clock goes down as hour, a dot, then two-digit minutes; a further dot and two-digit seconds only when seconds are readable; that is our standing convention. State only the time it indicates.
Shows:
10.09
